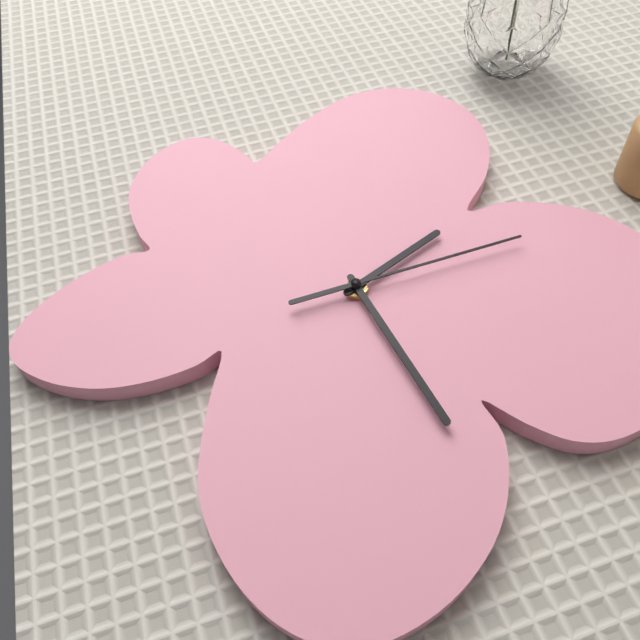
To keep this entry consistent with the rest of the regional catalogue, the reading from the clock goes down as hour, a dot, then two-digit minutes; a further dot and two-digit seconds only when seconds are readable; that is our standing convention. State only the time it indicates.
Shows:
12.19.05
